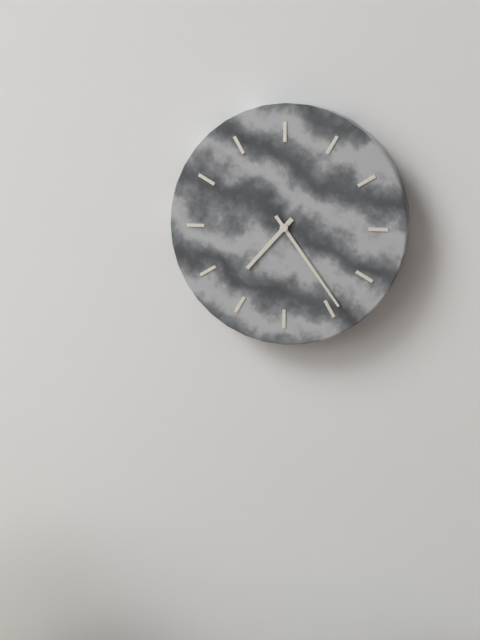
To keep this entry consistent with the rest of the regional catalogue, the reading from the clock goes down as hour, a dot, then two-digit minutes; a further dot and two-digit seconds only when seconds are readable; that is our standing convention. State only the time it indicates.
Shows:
7.24
